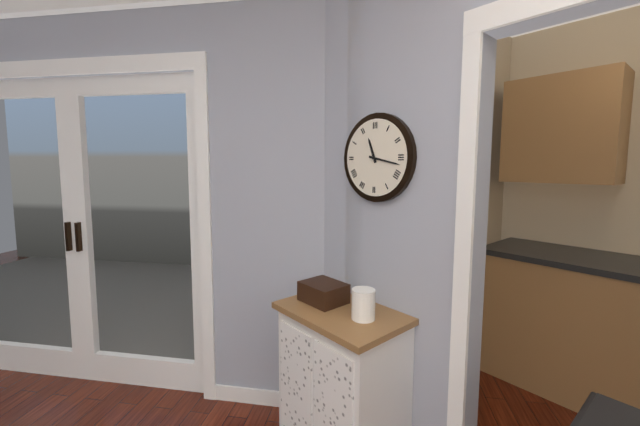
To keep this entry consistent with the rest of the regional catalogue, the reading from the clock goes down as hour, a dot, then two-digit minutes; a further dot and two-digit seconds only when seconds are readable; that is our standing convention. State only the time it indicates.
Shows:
11.17
